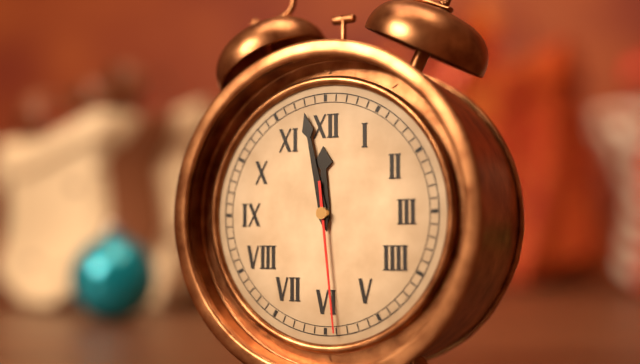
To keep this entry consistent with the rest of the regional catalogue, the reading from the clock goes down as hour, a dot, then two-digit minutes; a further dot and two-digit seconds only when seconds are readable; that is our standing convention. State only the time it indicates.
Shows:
11.58.29
